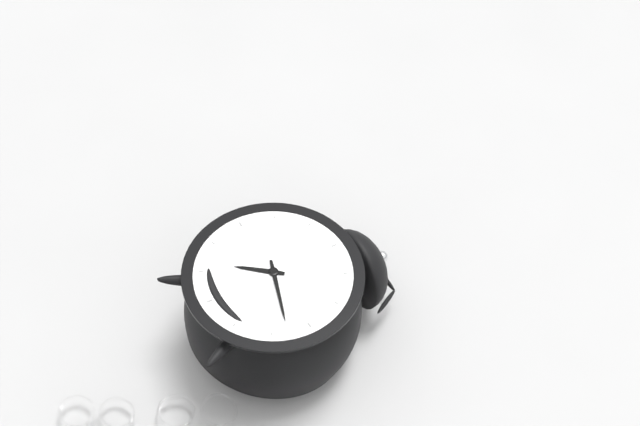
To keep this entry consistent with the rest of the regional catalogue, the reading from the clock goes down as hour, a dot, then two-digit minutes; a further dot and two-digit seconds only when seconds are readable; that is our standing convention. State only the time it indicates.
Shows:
7.18
